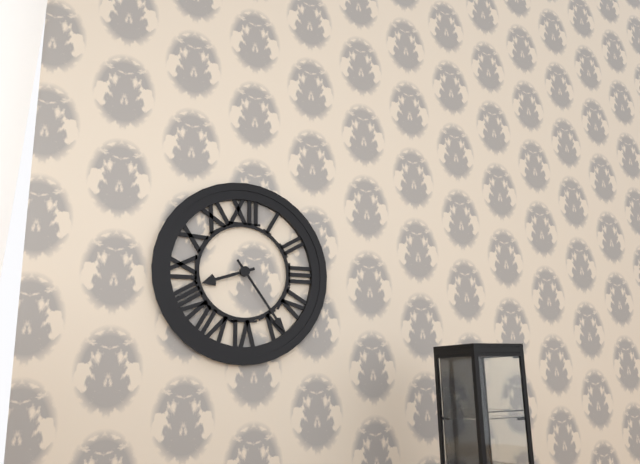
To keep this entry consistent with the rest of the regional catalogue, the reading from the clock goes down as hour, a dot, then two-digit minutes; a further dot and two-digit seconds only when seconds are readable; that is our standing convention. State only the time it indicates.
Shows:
8.24
